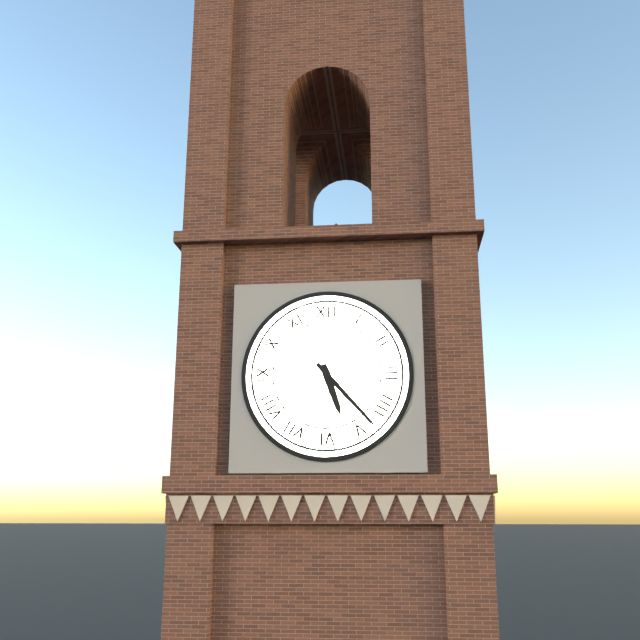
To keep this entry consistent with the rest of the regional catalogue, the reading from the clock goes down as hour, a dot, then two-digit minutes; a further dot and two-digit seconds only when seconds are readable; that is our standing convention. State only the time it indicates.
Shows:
5.23
